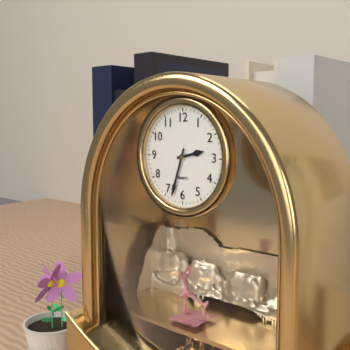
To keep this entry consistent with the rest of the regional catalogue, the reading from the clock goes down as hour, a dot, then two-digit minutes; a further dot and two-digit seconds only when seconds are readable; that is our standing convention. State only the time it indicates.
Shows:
2.33
